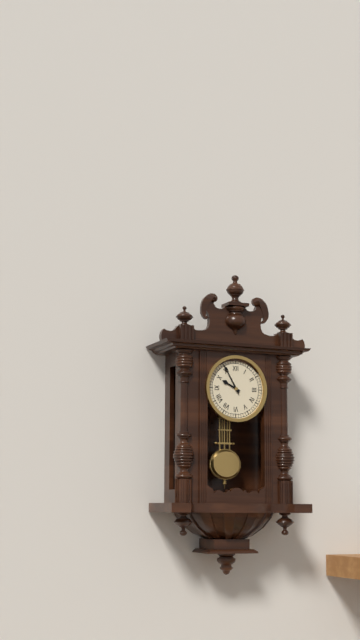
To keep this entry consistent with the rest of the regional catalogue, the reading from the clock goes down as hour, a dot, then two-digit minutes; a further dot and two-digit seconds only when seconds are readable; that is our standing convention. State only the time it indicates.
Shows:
9.55
